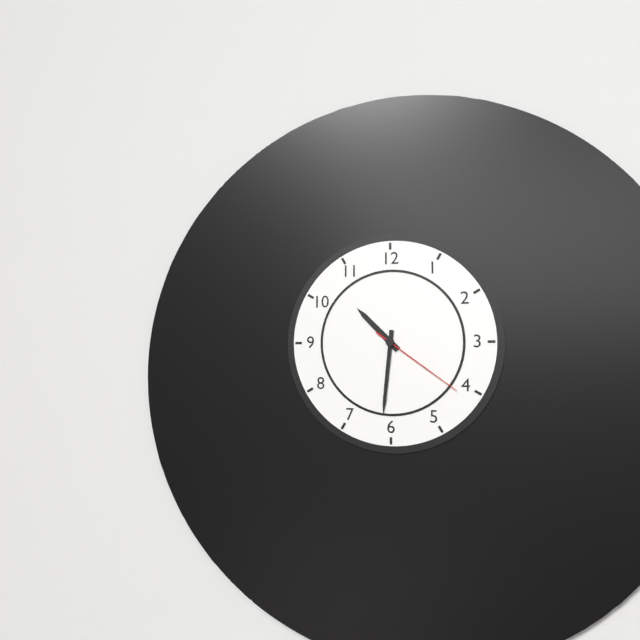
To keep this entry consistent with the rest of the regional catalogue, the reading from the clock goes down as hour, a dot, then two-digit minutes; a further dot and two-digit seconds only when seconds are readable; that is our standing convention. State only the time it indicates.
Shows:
10.31.21
